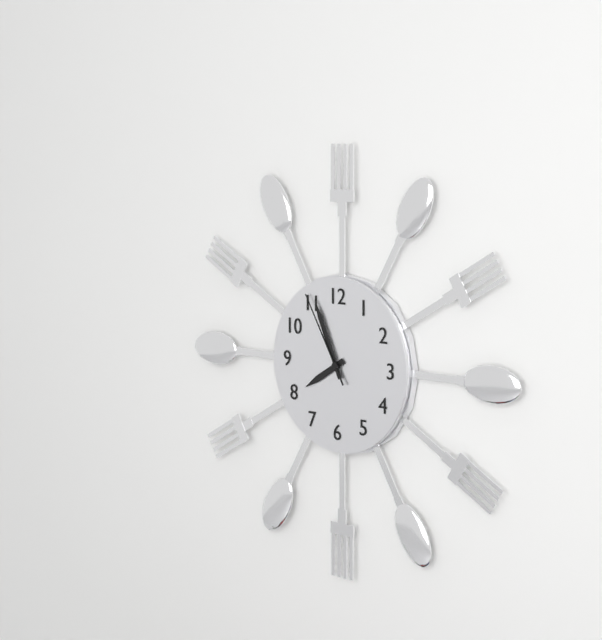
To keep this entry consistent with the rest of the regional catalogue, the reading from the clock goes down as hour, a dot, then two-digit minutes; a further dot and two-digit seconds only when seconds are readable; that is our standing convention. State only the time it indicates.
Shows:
7.56.55
